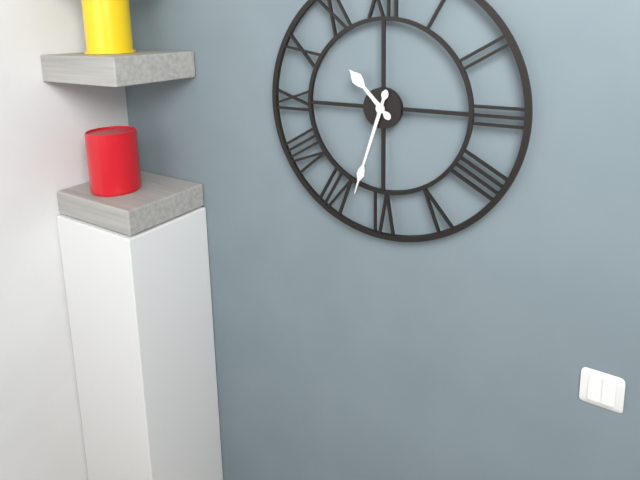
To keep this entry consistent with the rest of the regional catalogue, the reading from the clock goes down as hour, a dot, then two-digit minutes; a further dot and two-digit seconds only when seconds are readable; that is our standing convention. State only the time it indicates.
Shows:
10.33
